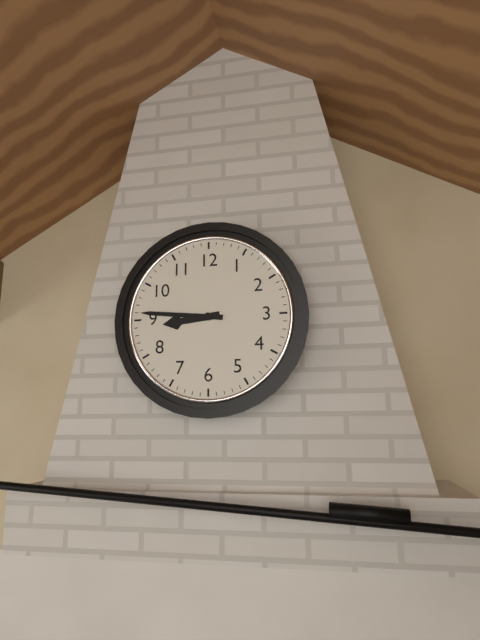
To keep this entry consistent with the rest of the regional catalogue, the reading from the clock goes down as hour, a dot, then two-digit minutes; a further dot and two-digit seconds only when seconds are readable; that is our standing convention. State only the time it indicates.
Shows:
8.46
